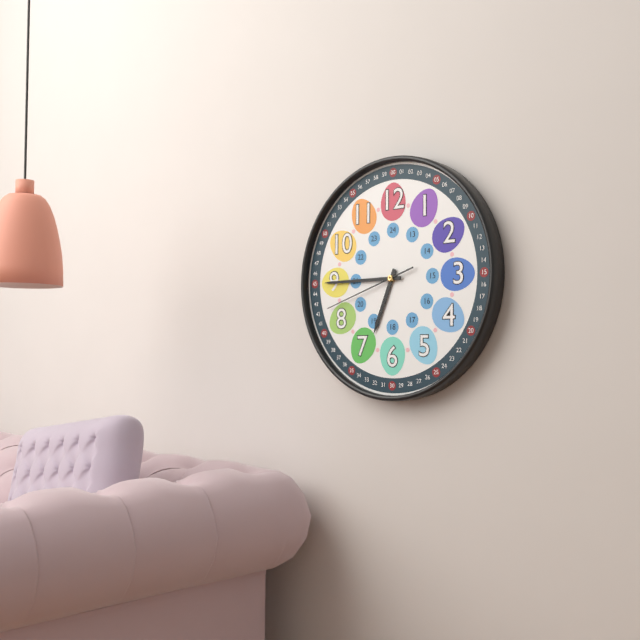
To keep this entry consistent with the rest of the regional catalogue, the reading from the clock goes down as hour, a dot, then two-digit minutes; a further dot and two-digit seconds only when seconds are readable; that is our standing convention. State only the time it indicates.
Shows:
6.45.42
